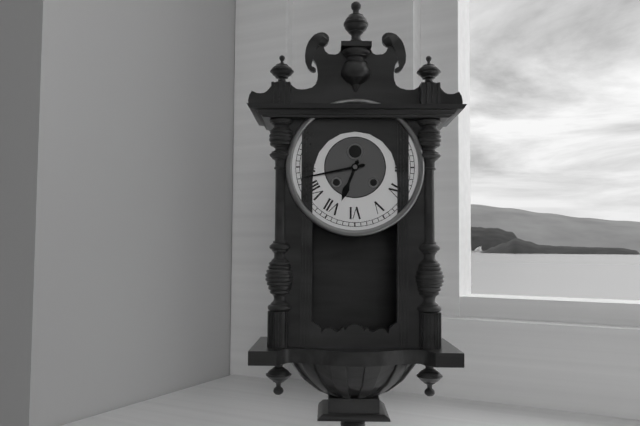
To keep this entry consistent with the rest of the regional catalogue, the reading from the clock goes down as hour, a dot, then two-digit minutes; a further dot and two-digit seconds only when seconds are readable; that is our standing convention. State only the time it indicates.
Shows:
6.43
